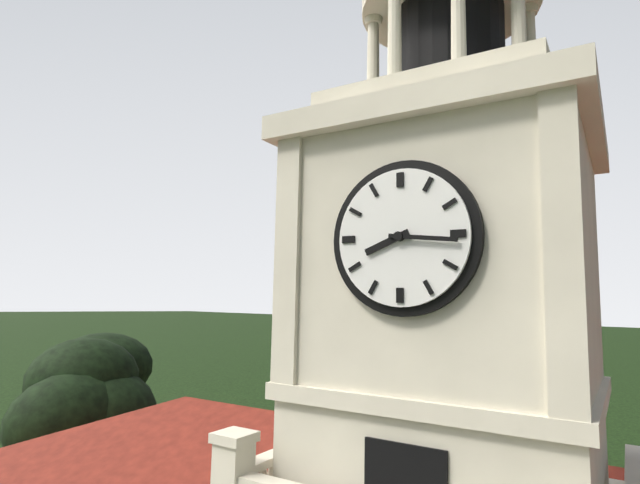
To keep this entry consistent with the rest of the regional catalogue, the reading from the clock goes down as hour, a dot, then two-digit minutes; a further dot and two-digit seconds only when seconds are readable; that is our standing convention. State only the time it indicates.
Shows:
8.16
